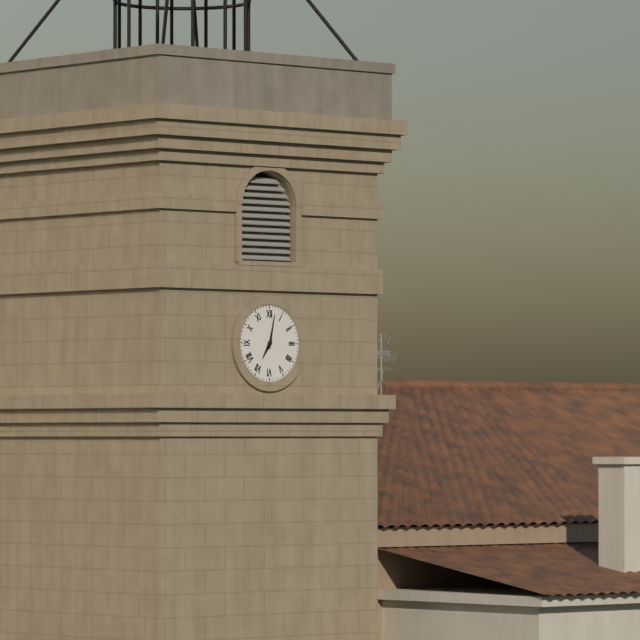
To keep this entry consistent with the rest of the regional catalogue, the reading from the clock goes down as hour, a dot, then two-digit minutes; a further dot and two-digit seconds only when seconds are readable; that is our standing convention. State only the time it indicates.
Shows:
7.02
